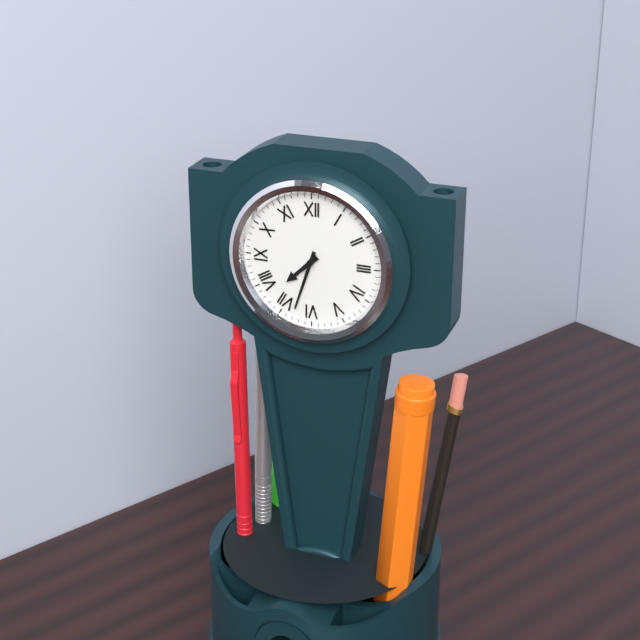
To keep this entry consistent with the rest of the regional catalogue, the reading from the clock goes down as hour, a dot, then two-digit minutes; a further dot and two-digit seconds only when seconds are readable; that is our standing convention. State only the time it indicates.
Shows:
7.33
